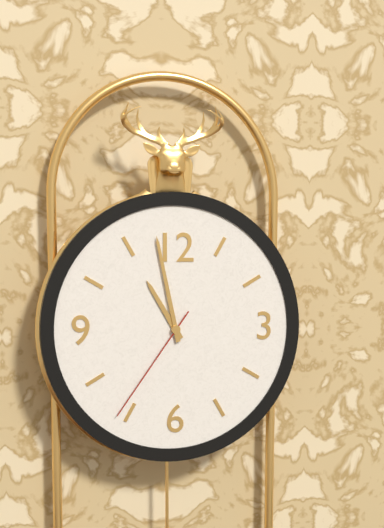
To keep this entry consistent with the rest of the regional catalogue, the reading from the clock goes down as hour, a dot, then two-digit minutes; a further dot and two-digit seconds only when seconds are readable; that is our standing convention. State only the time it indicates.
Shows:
10.58.36
